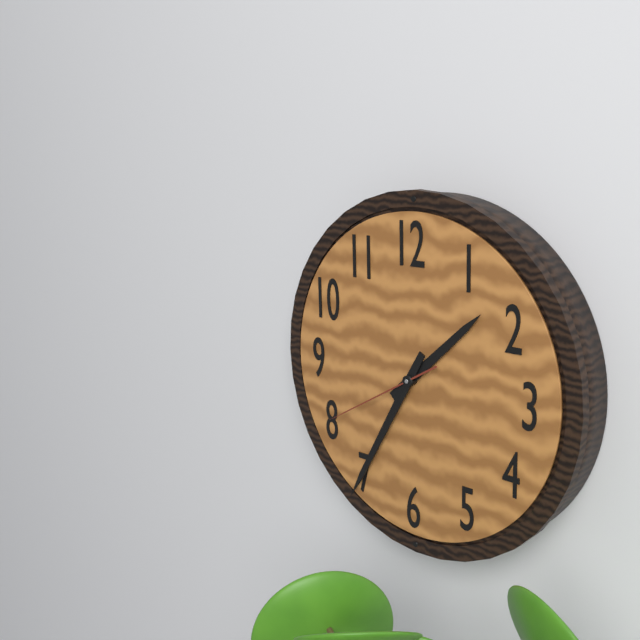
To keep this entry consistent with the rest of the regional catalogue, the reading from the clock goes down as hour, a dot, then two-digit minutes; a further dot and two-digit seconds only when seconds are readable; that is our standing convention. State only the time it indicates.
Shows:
1.35.40
